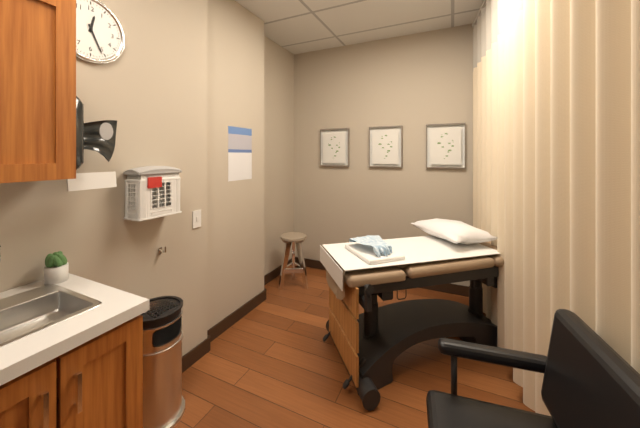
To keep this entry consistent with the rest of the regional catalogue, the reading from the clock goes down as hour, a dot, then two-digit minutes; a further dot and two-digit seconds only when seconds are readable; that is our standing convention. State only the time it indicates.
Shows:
12.26
